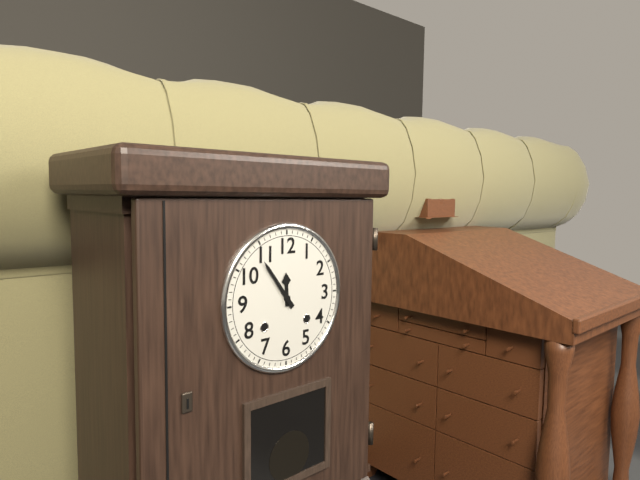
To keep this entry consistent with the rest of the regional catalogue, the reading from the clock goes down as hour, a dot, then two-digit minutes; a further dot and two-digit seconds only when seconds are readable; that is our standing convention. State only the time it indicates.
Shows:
11.54
